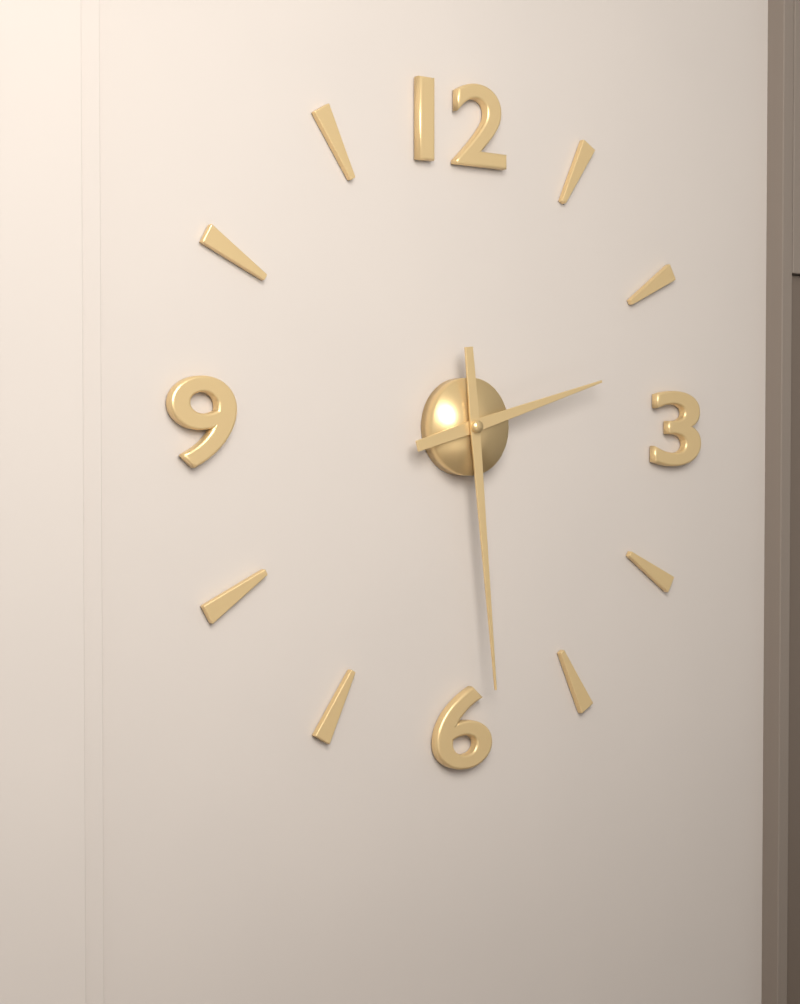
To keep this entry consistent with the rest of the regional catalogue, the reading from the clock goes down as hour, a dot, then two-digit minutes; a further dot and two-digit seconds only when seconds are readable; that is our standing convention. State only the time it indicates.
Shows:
2.29
